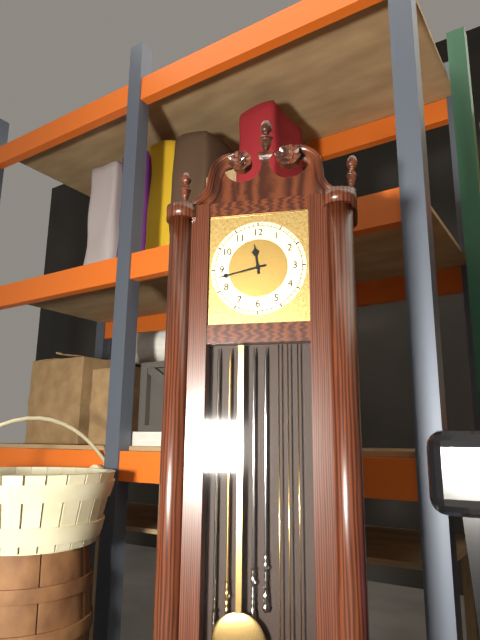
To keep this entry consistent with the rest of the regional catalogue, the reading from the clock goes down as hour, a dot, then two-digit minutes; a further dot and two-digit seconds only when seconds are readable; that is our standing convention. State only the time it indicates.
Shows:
11.43
